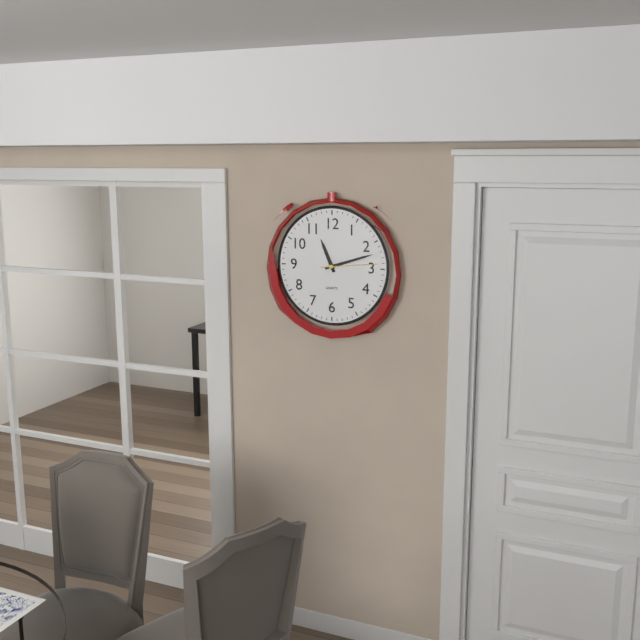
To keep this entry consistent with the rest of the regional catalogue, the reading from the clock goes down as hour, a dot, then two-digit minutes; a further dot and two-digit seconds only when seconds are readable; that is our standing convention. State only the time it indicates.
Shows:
11.12.14
